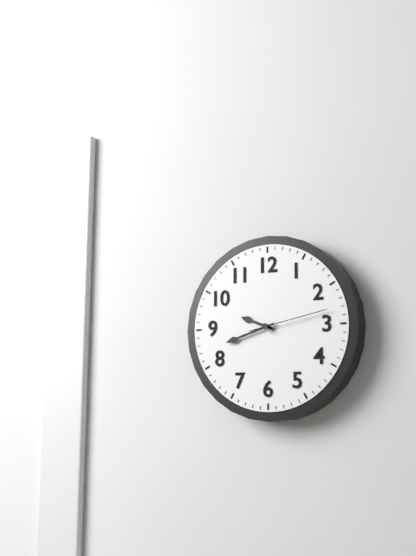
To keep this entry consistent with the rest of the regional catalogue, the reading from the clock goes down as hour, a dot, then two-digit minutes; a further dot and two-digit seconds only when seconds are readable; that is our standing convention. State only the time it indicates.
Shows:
9.42.13
